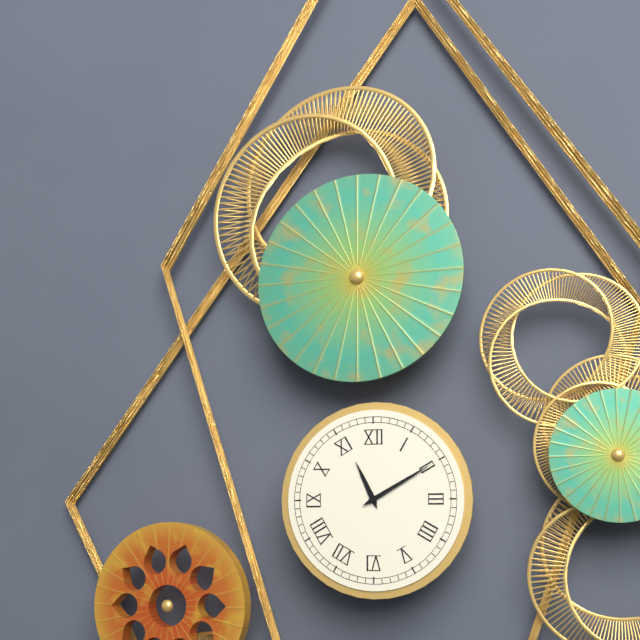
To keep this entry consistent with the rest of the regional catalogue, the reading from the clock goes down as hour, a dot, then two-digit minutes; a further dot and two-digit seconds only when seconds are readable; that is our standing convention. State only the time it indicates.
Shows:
11.10
